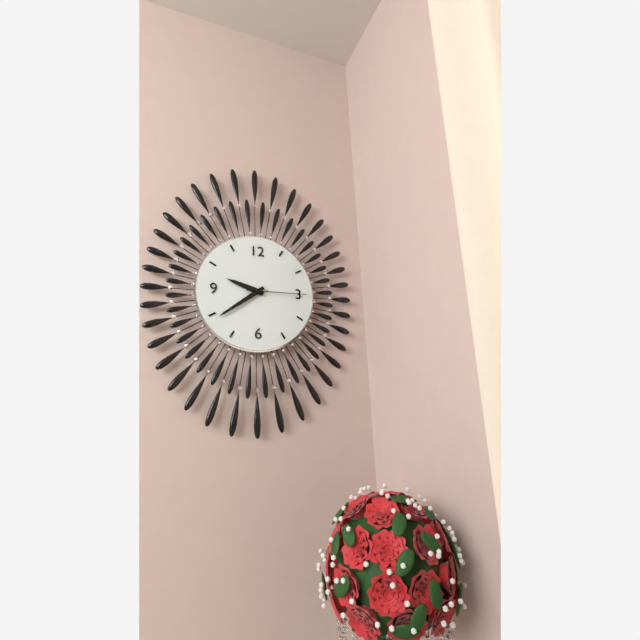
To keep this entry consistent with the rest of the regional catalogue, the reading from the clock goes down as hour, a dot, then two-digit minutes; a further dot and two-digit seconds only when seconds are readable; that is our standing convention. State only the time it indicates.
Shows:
9.39.15
